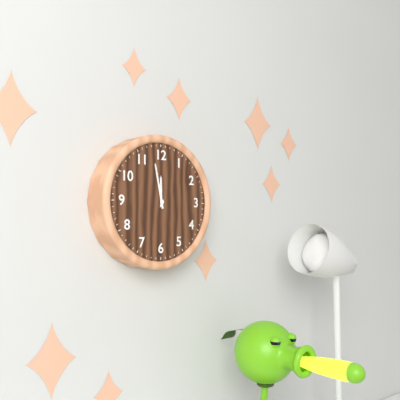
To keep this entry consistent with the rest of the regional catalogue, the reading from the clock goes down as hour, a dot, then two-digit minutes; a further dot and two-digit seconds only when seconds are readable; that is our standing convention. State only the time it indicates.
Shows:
11.58
